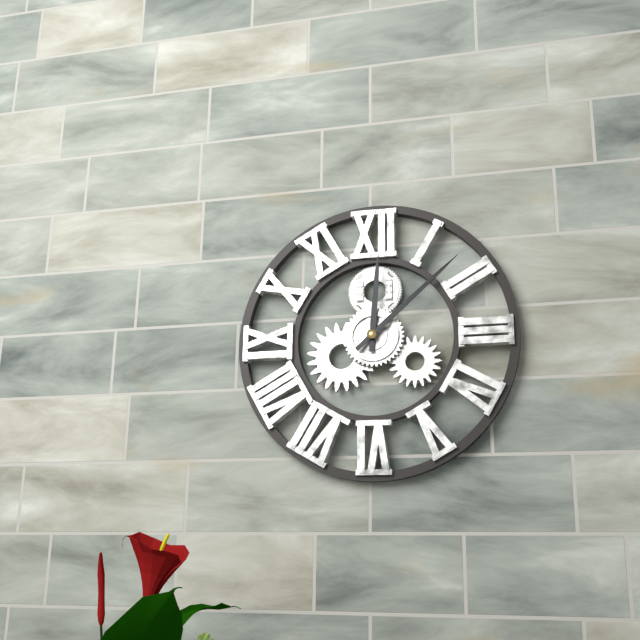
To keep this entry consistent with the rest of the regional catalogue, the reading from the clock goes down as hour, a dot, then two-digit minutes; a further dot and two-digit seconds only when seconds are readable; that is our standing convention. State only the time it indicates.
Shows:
12.08
